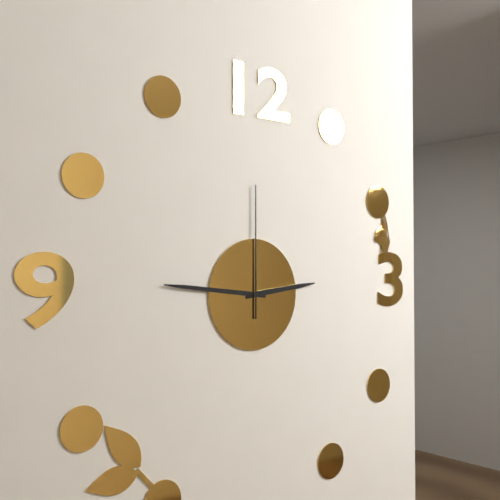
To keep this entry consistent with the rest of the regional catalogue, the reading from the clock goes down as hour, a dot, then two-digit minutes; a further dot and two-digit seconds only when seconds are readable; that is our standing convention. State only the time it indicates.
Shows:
2.46.00
